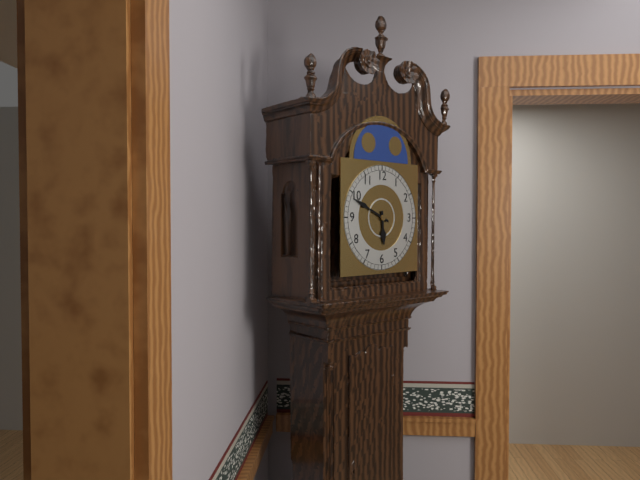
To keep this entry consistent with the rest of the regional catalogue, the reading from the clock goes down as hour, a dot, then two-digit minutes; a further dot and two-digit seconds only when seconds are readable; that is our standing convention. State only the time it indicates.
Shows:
5.49
